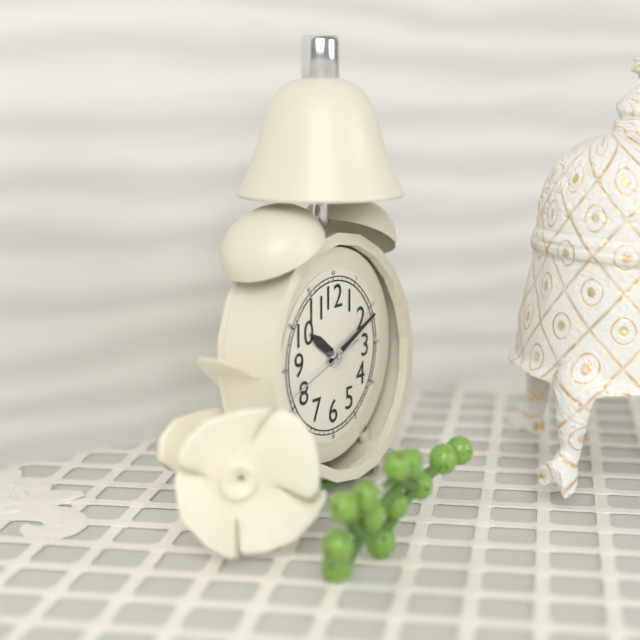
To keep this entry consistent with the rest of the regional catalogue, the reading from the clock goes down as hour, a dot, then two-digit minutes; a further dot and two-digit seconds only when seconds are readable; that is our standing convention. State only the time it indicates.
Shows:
10.11.42
